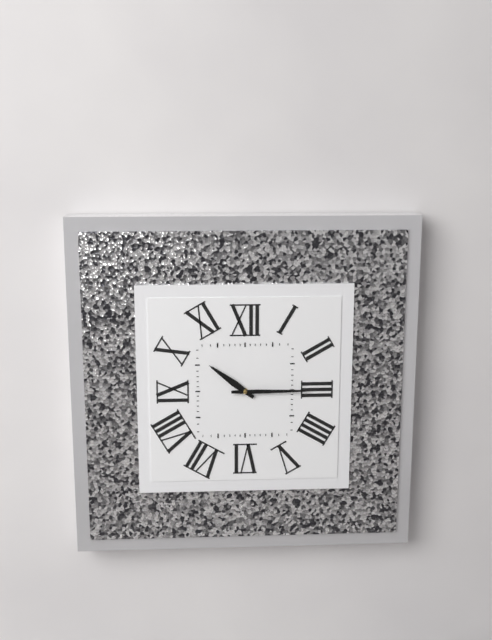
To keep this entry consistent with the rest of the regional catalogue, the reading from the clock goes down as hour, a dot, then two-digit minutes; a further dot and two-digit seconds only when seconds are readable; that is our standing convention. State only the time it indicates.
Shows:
10.15
